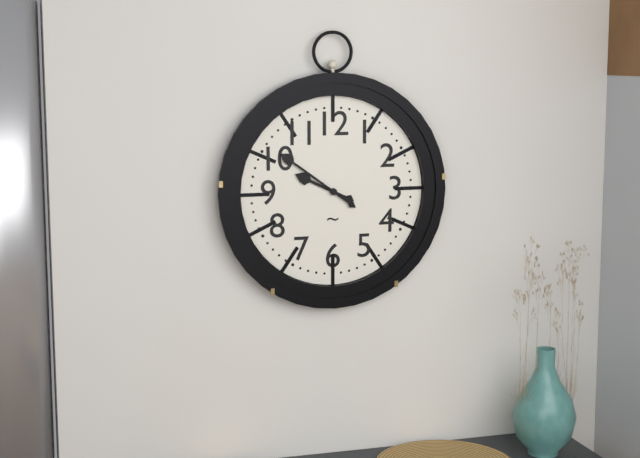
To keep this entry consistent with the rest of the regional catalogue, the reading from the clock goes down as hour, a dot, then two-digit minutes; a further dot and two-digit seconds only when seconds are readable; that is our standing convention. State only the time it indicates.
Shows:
9.51
